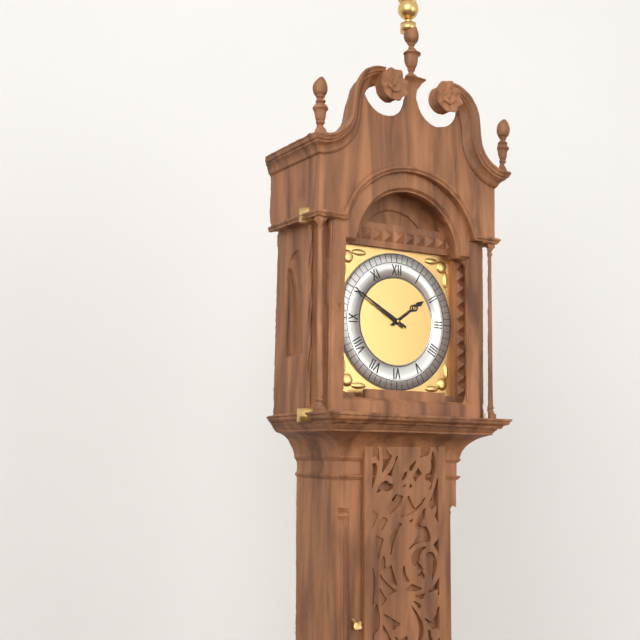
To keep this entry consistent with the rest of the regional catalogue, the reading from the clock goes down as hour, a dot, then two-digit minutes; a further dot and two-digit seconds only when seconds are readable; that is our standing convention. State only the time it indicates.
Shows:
1.50
